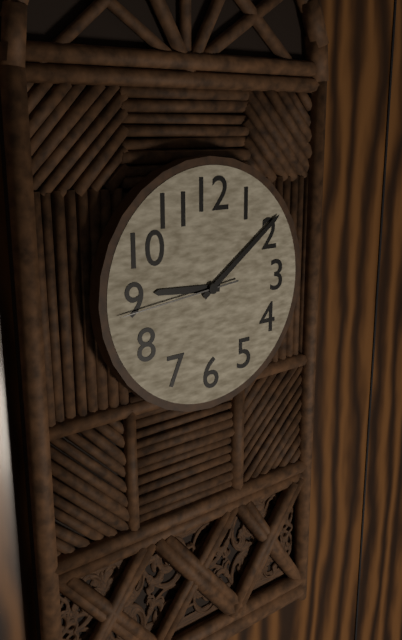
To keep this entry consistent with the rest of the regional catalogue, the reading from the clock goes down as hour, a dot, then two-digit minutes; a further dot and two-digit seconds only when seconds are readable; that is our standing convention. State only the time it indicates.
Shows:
9.09.44
